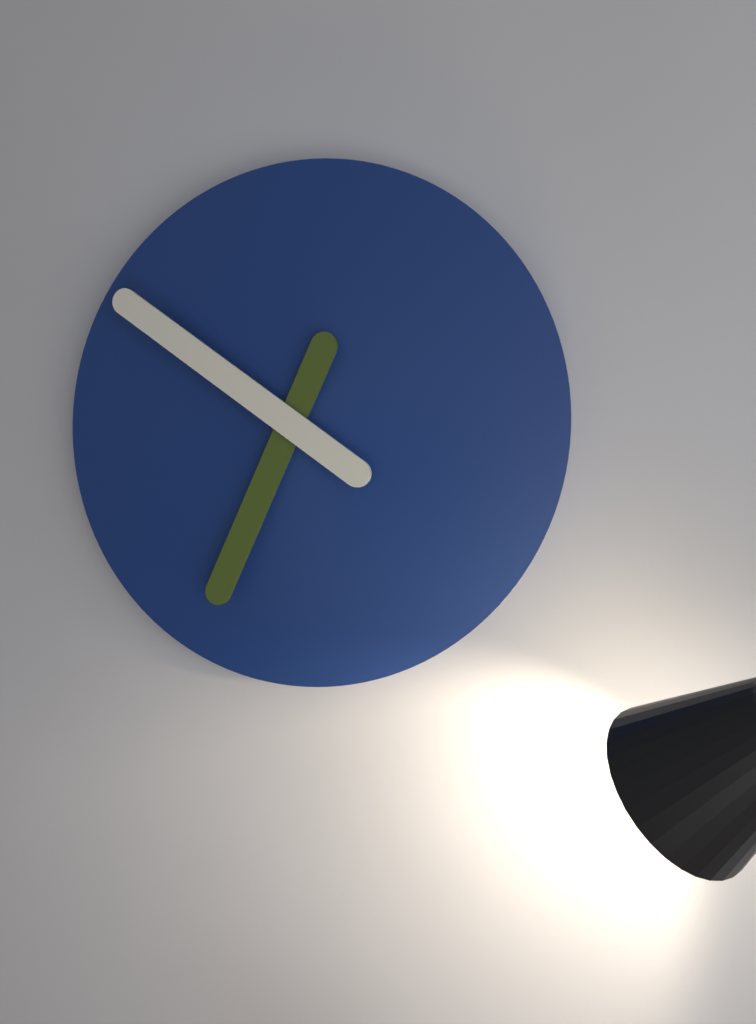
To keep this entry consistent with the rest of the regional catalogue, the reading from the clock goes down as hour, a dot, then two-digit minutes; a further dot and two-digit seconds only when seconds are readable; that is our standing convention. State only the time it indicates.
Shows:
6.51
